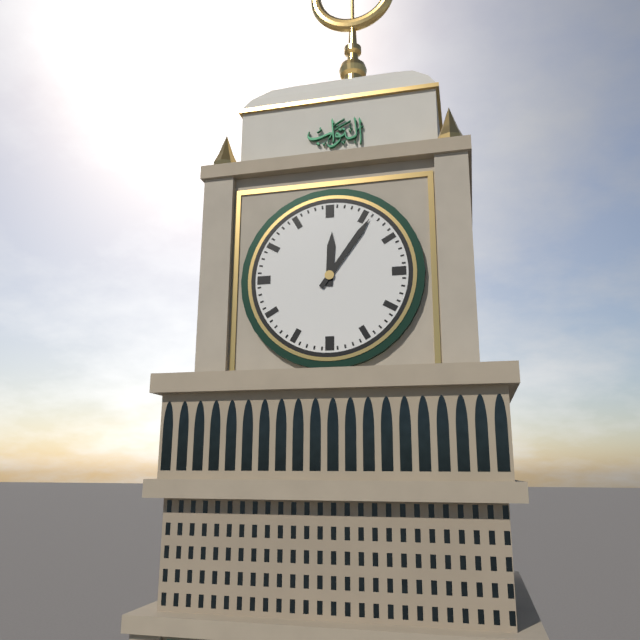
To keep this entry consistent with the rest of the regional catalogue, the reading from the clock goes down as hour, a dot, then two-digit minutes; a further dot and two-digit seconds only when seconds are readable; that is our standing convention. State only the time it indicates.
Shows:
12.06
